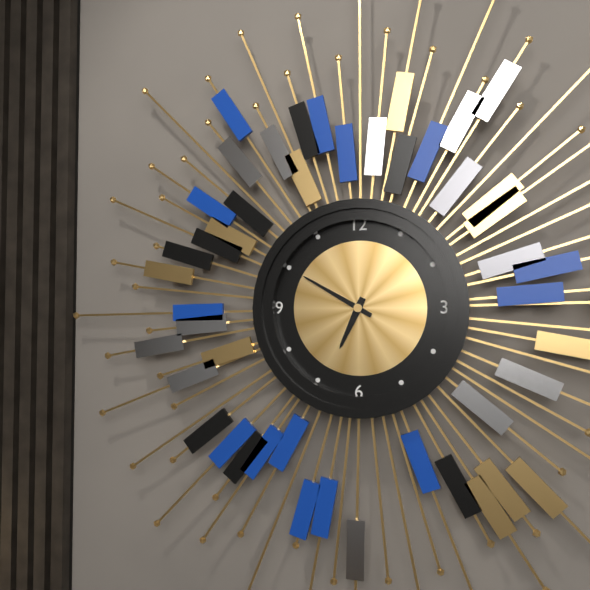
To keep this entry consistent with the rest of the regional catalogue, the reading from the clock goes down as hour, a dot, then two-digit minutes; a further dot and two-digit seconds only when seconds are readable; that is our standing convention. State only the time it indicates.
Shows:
6.50
